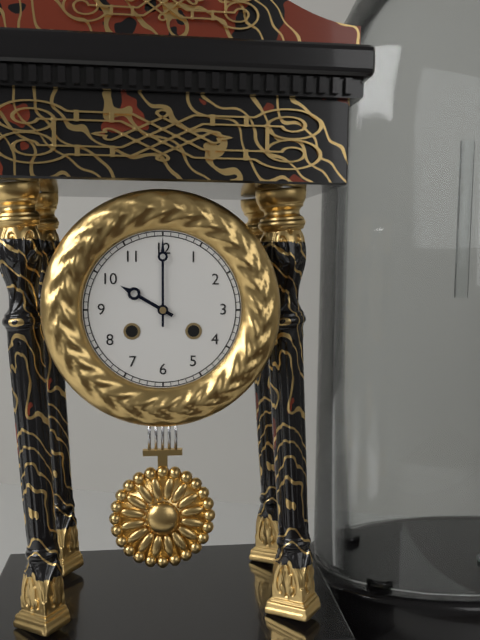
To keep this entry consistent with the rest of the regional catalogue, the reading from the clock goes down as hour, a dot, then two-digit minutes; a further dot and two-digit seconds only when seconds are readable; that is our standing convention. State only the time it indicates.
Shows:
10.00
